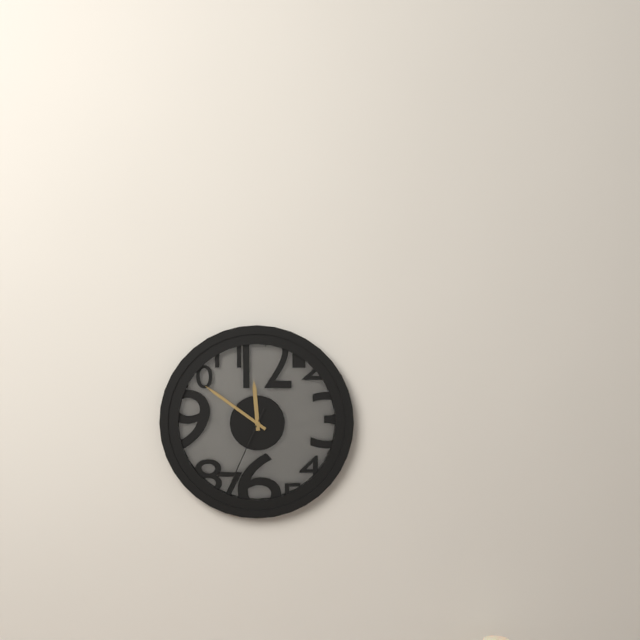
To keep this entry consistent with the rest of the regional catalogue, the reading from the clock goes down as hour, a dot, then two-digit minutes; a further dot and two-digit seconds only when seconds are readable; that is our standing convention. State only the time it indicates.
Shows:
11.51.34
